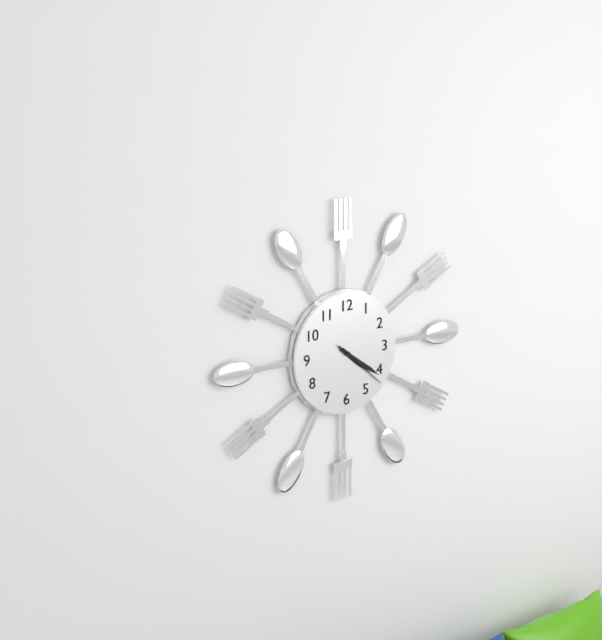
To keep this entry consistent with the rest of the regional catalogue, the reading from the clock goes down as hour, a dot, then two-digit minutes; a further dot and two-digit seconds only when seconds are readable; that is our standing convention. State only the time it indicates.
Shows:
4.21.22
